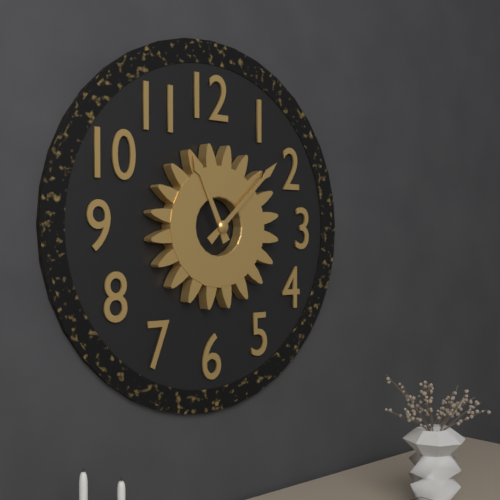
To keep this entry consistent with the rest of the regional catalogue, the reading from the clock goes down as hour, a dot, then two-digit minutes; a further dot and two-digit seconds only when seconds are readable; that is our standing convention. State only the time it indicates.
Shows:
11.08
